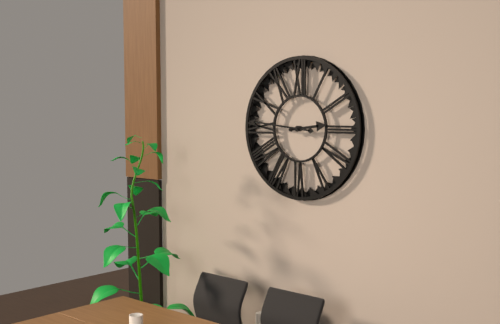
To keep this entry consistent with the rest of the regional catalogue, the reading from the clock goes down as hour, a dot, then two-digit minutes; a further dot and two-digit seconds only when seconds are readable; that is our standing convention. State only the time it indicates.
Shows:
2.46
